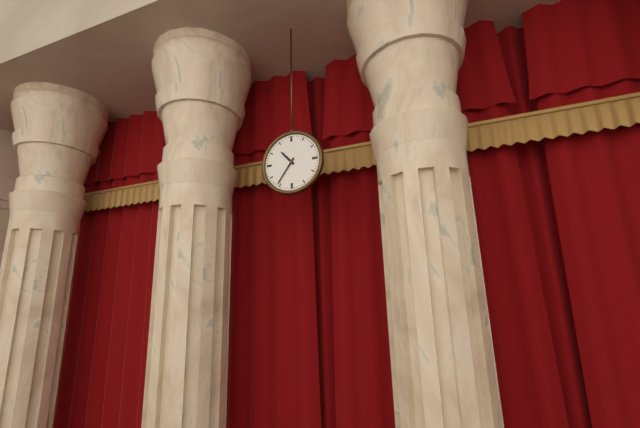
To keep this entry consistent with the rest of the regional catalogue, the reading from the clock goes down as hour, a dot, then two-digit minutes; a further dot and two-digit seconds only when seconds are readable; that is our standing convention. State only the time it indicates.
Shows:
10.36
